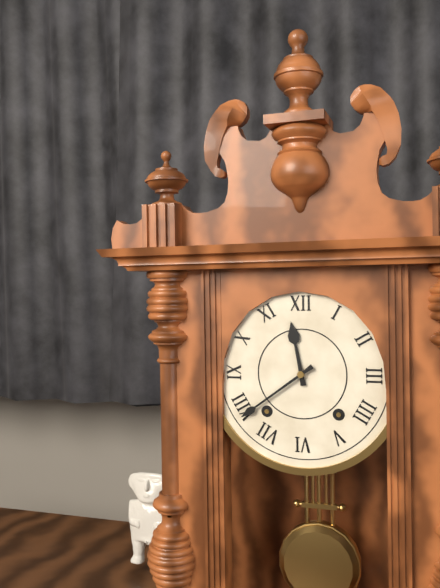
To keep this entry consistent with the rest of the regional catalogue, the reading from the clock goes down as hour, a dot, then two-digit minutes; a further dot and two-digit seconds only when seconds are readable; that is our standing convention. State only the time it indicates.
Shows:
11.39
